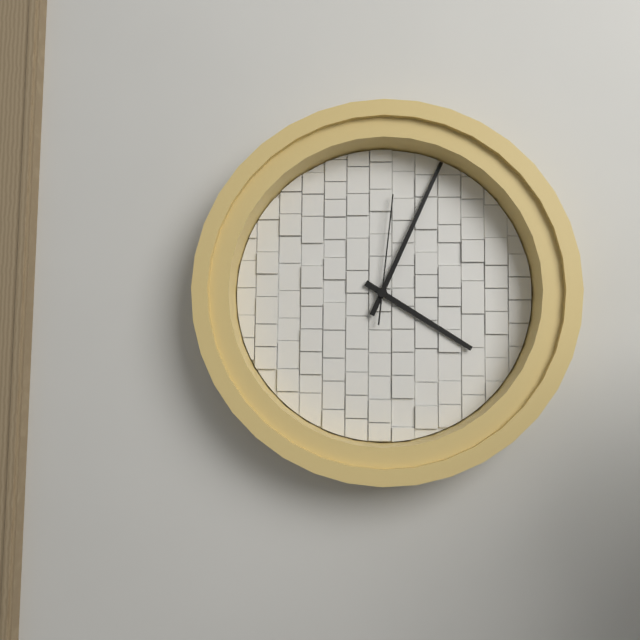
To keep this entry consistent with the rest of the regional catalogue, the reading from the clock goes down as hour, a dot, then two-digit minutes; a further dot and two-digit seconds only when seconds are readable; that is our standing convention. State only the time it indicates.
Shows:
4.04.01
